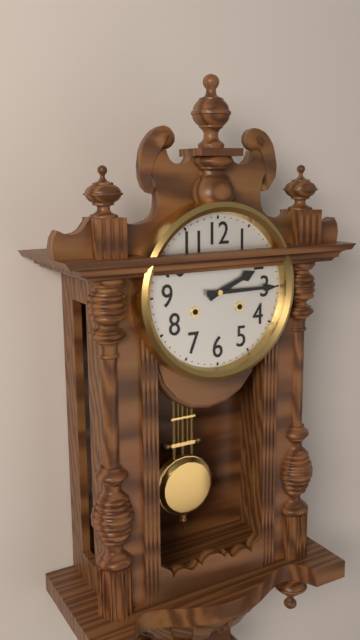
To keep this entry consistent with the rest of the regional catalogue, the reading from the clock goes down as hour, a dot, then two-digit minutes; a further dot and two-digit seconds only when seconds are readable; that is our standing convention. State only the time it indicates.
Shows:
2.15
